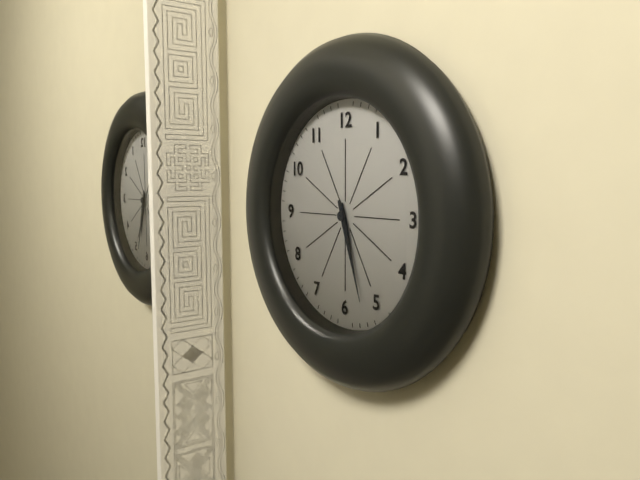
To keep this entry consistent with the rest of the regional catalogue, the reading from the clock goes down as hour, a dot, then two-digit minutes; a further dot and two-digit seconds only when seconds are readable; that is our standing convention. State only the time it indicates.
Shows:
5.27
